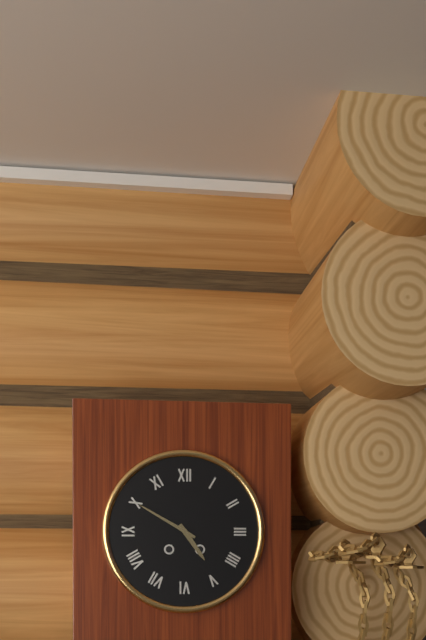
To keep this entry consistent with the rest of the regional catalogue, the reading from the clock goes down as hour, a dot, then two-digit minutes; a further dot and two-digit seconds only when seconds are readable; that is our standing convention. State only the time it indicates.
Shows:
4.50
